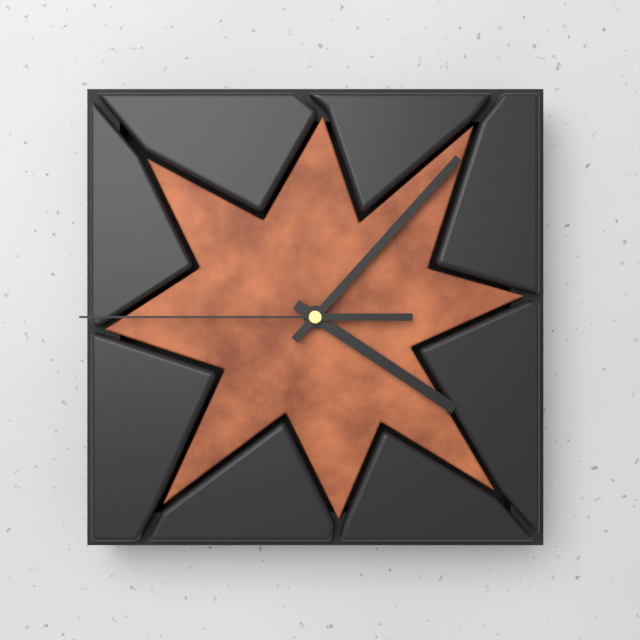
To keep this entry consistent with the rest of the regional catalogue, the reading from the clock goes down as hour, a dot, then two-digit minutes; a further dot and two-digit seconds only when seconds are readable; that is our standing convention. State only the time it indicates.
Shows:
4.07.45
